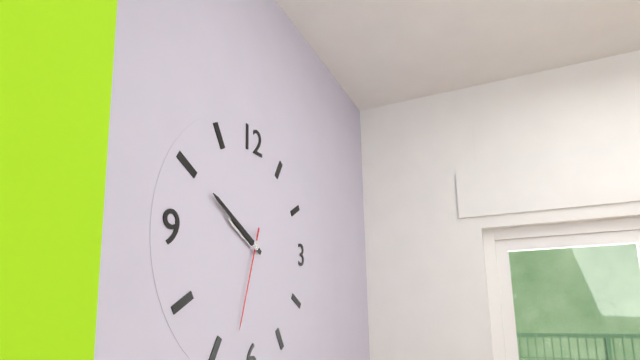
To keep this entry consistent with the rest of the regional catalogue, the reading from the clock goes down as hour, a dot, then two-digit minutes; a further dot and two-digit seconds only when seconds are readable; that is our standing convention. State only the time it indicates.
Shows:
9.50.33
